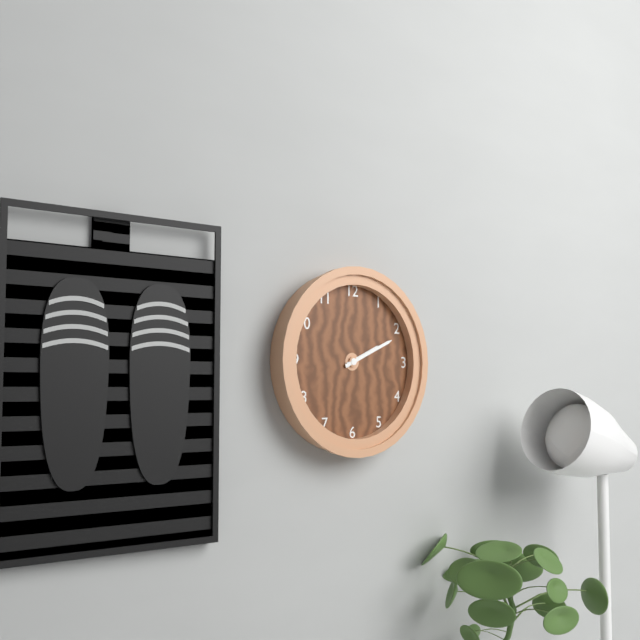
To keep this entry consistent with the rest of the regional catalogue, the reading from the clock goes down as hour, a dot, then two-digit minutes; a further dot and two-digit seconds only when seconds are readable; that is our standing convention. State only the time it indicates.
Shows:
2.11
